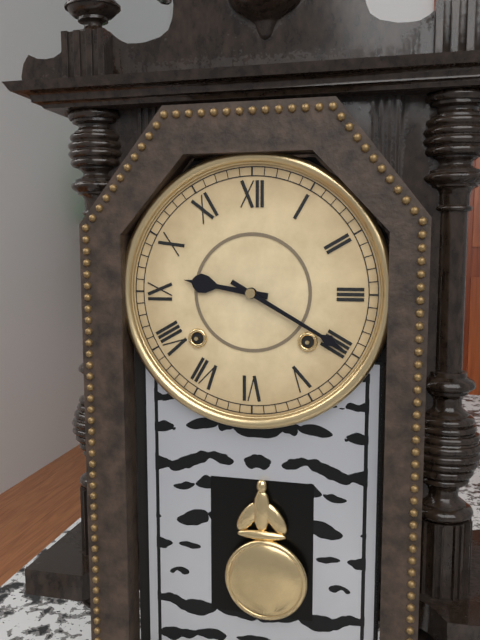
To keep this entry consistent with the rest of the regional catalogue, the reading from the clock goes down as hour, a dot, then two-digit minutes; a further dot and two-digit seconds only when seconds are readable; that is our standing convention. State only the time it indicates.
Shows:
9.20
